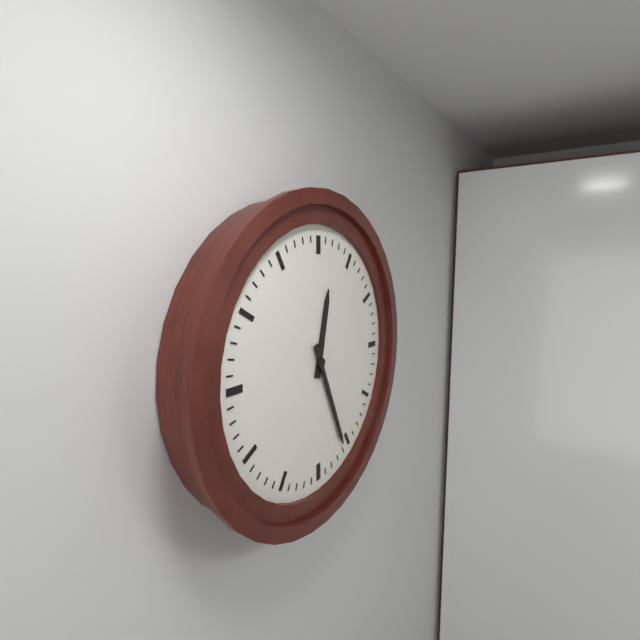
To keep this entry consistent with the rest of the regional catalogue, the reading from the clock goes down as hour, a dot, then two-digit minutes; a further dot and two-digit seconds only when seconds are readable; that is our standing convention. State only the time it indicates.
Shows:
12.26
